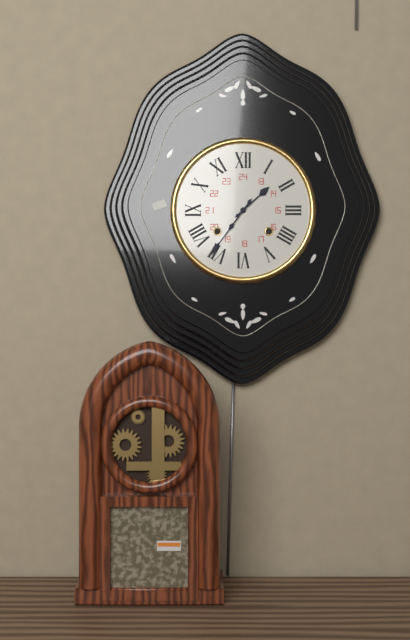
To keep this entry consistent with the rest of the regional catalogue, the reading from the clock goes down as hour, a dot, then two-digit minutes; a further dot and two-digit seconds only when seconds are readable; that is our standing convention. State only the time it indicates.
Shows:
1.36
